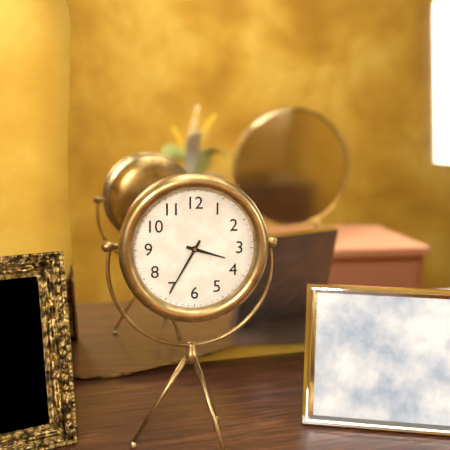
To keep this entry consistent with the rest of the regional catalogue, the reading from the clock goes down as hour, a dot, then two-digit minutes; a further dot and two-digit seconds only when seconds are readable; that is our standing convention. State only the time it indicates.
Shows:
3.35
